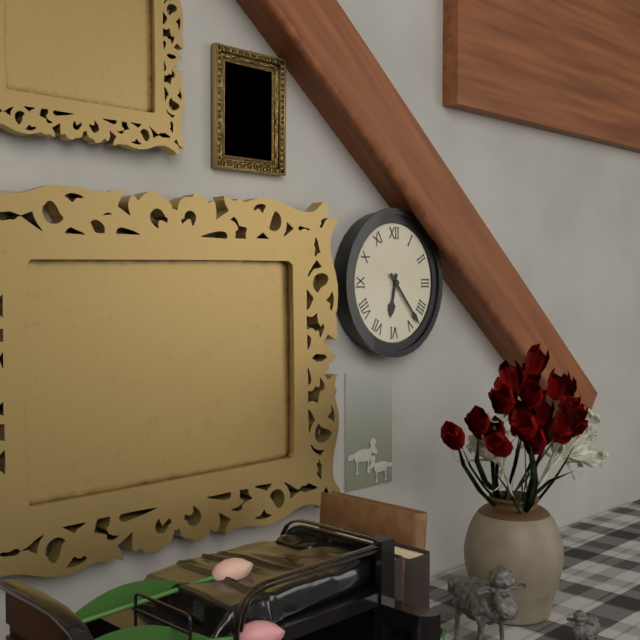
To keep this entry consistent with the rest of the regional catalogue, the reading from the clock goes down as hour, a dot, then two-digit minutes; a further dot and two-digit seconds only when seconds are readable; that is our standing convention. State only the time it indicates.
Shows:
6.23
